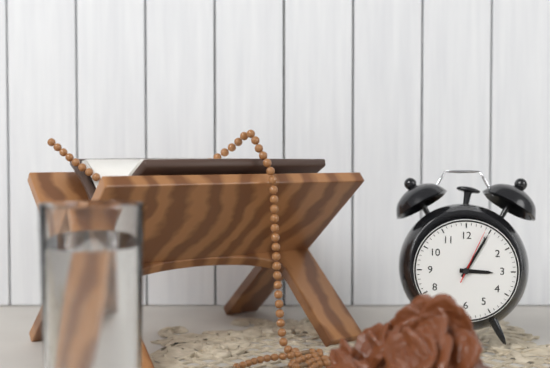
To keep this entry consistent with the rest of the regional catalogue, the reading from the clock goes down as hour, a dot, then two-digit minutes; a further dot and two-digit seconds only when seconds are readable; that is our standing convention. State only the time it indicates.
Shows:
3.05.04
